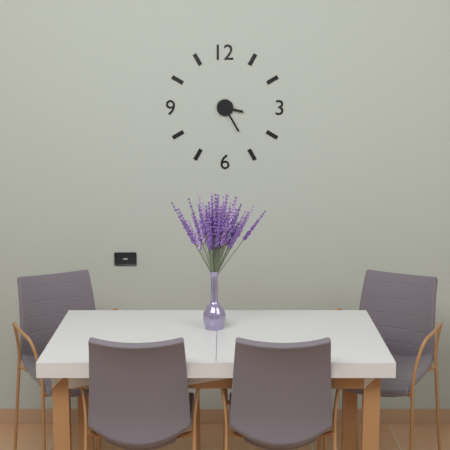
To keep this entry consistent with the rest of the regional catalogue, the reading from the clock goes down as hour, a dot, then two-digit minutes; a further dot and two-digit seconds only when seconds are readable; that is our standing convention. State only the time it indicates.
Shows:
3.25
